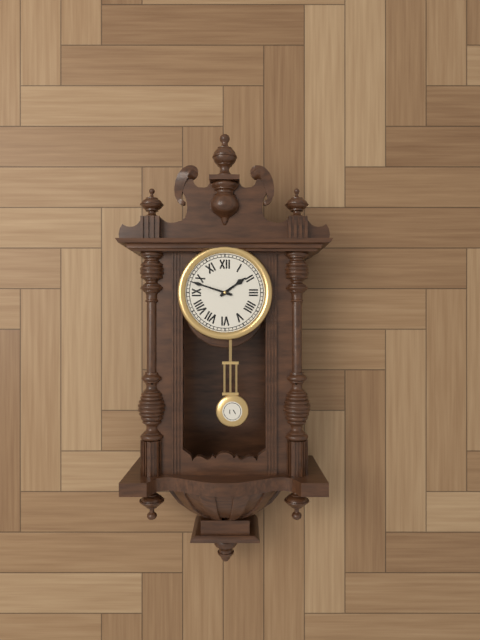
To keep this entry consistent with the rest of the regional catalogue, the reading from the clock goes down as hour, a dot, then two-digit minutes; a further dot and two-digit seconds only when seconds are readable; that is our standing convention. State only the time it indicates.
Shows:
1.48
